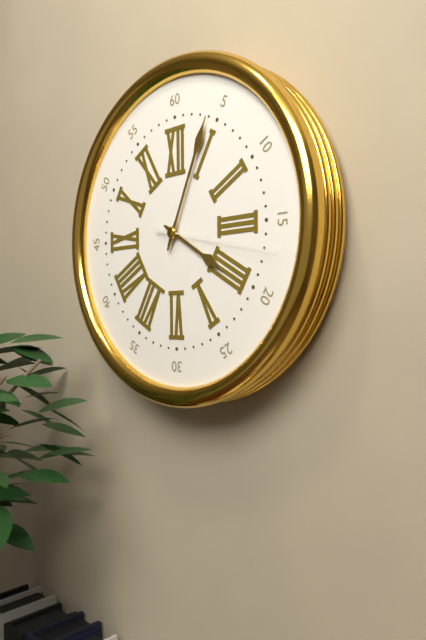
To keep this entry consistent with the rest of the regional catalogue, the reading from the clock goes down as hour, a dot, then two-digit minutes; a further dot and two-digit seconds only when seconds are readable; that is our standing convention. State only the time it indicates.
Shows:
4.04.17
